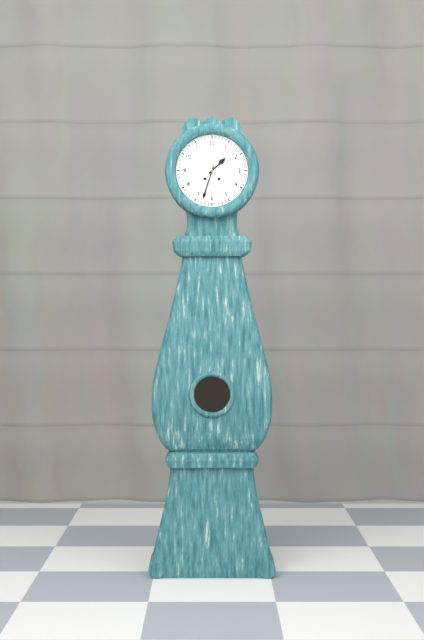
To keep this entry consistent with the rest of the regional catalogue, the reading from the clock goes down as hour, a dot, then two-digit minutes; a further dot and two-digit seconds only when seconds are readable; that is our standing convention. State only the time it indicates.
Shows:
1.33
